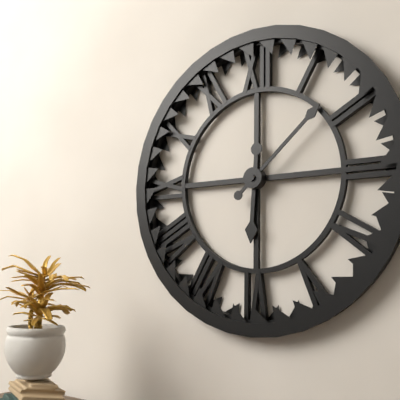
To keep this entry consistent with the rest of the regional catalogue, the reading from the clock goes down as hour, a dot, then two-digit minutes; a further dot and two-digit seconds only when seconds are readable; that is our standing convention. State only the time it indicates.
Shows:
6.08
